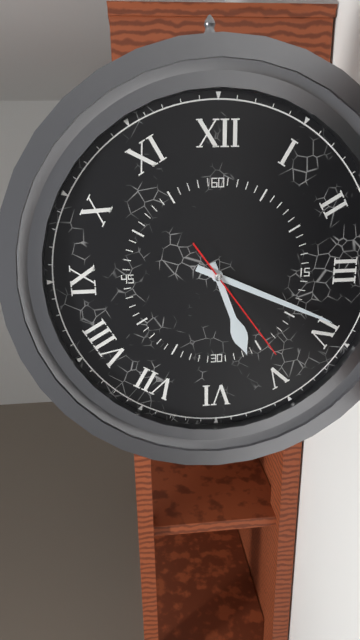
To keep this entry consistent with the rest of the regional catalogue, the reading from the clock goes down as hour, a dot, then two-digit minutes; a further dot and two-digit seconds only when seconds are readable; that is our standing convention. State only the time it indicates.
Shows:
5.19.24
